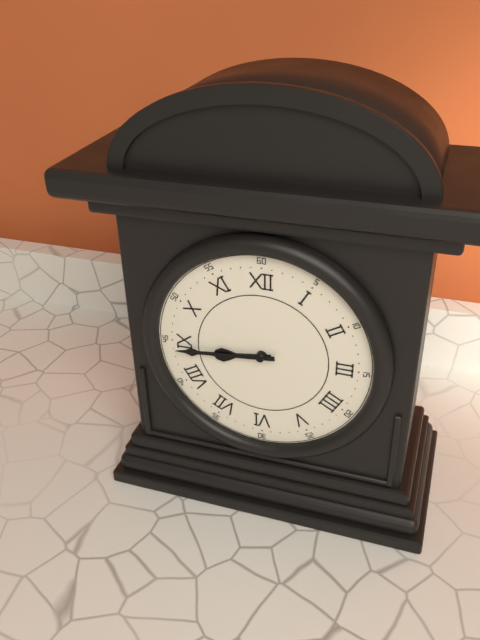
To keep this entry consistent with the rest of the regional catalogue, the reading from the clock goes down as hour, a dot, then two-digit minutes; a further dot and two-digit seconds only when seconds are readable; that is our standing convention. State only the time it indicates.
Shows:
8.44
